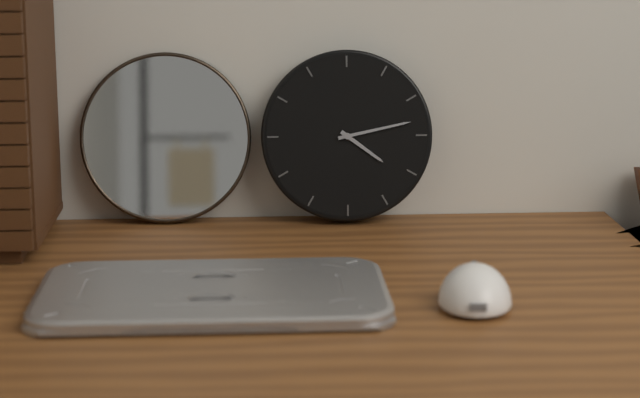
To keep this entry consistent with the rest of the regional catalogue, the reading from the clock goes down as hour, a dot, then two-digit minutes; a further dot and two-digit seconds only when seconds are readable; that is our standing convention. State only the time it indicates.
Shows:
4.13
